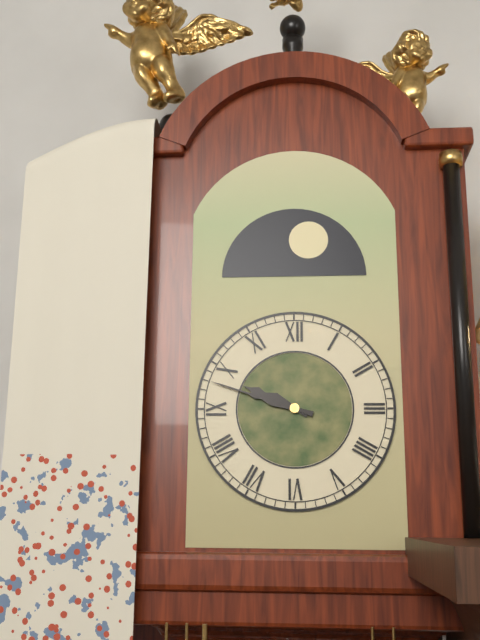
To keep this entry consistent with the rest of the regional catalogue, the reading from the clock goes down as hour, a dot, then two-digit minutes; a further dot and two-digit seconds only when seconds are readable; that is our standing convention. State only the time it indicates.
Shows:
9.48
